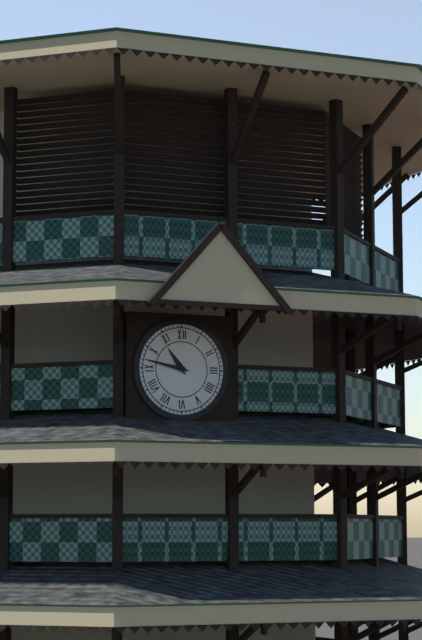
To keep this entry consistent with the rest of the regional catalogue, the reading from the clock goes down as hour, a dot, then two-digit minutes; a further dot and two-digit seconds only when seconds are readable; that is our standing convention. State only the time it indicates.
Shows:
10.47
